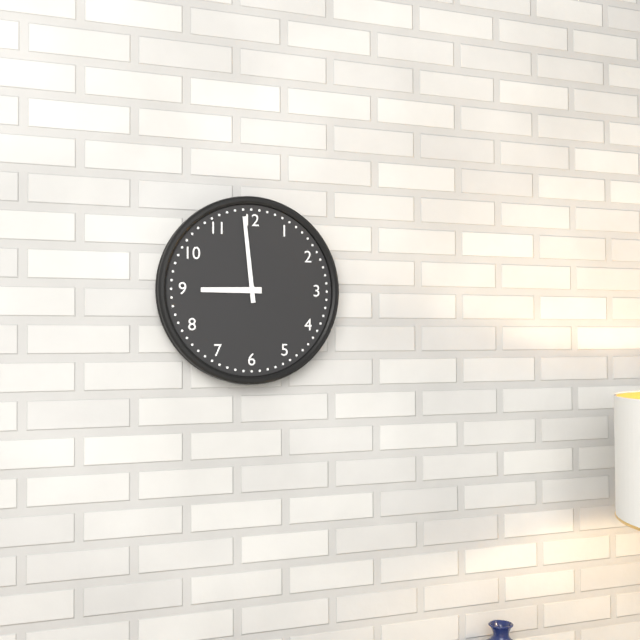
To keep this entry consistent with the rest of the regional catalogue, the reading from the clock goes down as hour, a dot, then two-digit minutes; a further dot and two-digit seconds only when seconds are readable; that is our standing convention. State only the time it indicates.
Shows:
8.59
